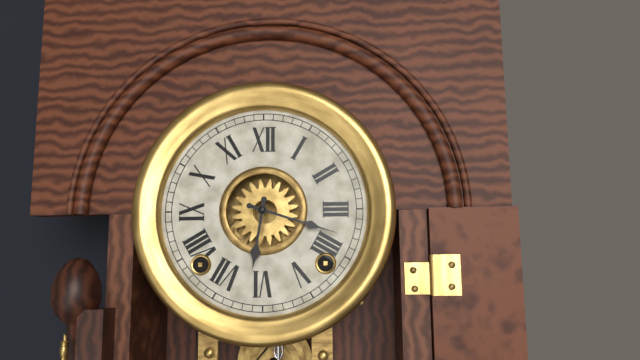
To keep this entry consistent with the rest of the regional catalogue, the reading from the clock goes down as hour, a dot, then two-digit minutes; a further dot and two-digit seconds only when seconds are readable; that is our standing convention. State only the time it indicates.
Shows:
6.18
